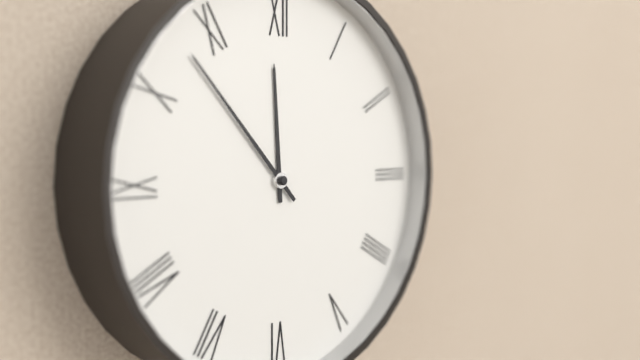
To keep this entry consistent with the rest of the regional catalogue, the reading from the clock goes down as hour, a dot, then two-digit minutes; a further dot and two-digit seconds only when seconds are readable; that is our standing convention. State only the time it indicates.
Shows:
11.53
